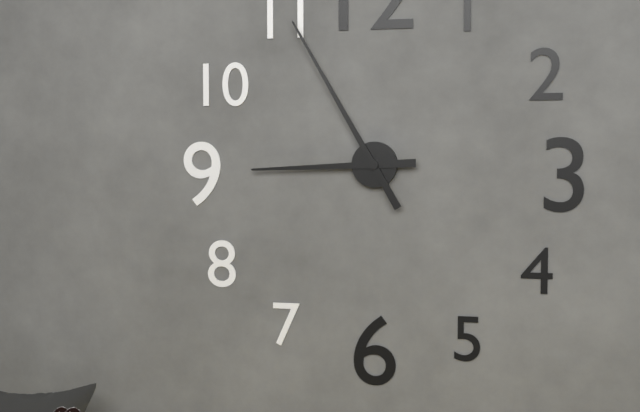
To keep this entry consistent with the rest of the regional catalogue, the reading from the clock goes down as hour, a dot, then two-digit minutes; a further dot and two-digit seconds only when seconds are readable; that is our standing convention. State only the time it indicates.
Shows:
8.55
